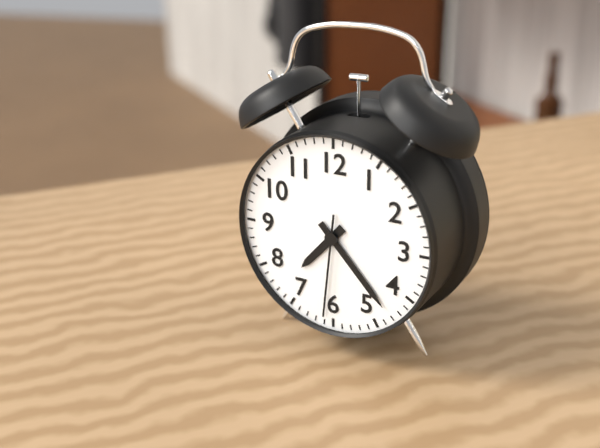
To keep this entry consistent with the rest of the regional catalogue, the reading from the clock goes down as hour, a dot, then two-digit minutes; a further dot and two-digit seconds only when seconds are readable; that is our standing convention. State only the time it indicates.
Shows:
7.23.31
